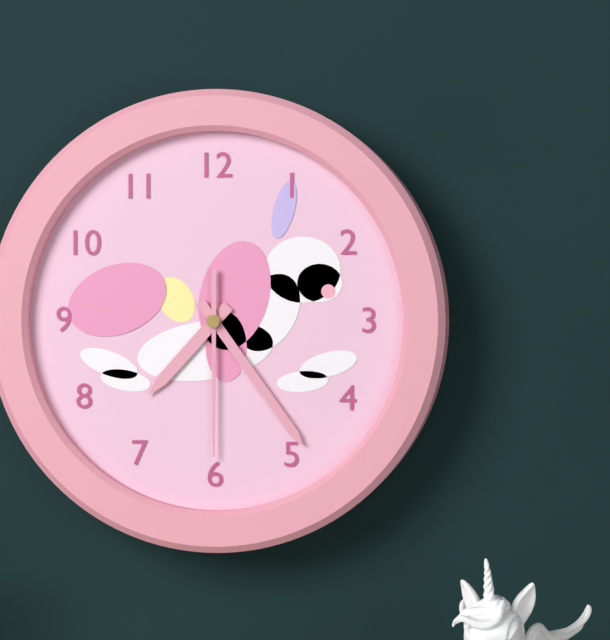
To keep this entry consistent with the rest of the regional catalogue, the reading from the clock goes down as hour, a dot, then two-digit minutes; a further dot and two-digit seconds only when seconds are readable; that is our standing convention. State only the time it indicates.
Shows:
7.24.30
